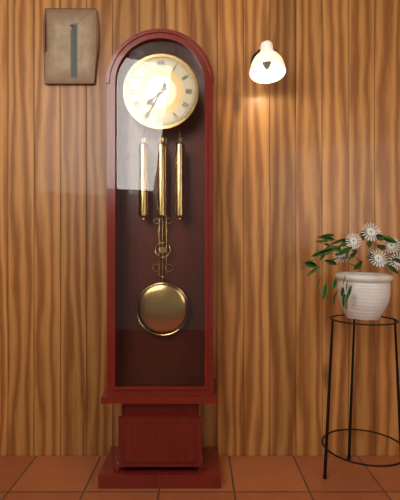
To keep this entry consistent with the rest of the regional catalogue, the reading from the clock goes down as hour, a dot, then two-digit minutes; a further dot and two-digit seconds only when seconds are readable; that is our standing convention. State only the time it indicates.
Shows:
7.35
